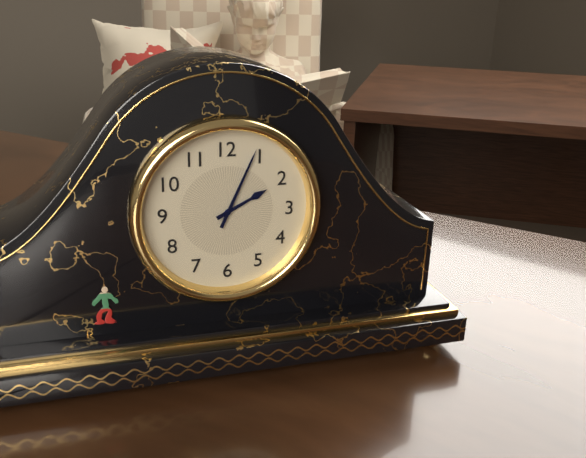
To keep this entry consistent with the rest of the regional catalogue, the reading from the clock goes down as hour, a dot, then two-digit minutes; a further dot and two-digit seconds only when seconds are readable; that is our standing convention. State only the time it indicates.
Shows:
2.04
